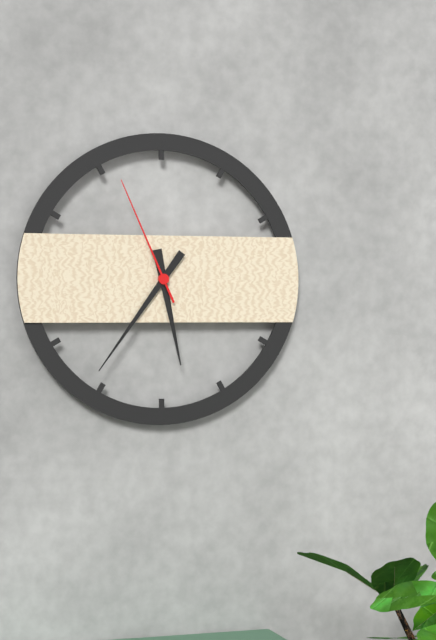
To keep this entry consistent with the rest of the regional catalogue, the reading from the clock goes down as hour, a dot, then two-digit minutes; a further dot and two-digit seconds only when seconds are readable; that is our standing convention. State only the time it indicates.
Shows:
5.36.56
